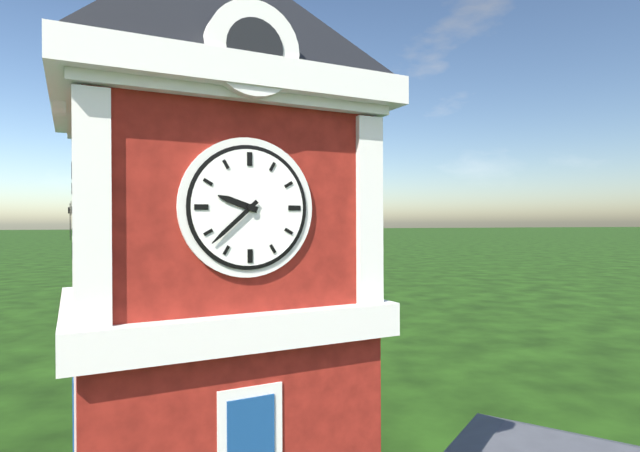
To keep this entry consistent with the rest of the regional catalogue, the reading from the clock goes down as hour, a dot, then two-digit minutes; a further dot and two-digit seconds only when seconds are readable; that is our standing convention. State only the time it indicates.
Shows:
9.38
